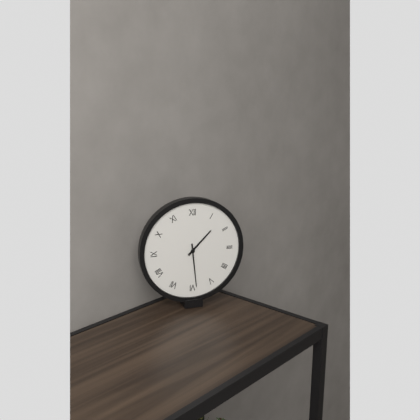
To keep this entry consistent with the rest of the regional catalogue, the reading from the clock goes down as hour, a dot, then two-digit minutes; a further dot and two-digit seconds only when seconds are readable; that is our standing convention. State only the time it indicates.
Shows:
1.29
